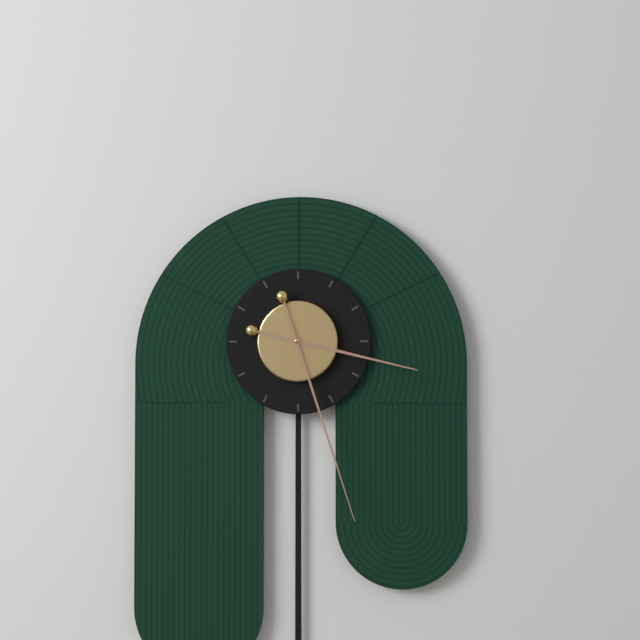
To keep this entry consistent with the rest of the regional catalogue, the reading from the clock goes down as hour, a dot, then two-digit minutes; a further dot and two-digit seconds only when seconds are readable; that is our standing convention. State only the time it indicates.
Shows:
3.27
